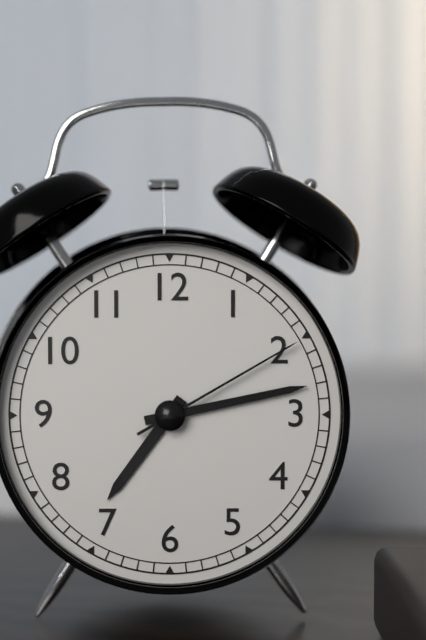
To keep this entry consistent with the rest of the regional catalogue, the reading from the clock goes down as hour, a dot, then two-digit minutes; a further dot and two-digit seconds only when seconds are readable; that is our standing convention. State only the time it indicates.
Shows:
7.13.10
